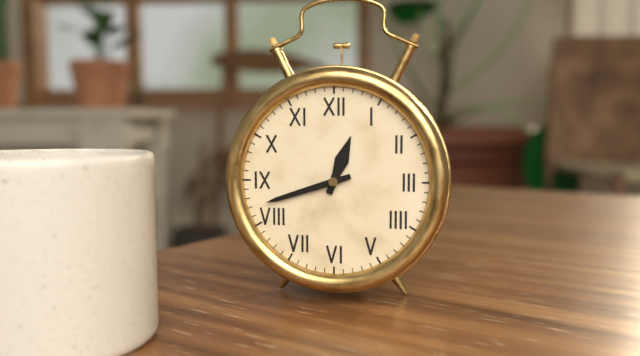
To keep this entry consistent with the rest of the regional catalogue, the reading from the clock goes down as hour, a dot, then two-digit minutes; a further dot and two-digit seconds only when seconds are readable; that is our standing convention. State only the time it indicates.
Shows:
12.42
